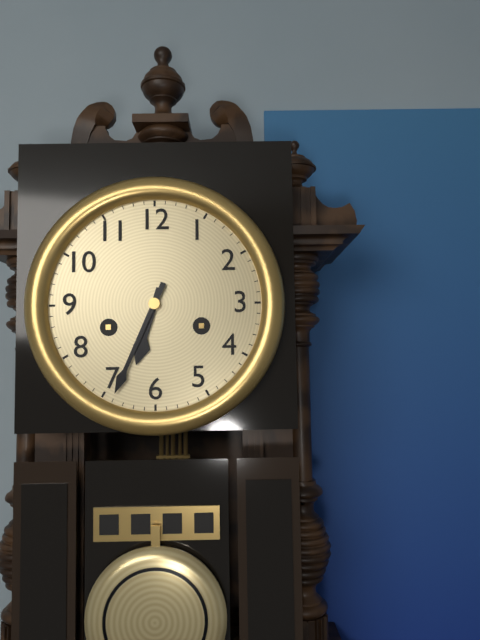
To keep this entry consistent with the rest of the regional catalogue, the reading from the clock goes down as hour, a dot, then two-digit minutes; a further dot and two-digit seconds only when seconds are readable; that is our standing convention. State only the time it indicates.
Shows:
6.34
